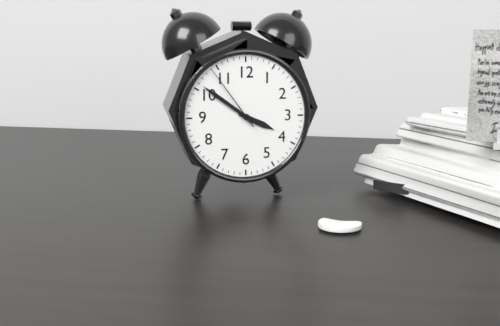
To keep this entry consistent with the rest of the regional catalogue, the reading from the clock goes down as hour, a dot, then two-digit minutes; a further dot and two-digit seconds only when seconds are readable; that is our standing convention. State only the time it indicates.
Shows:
3.51.54
